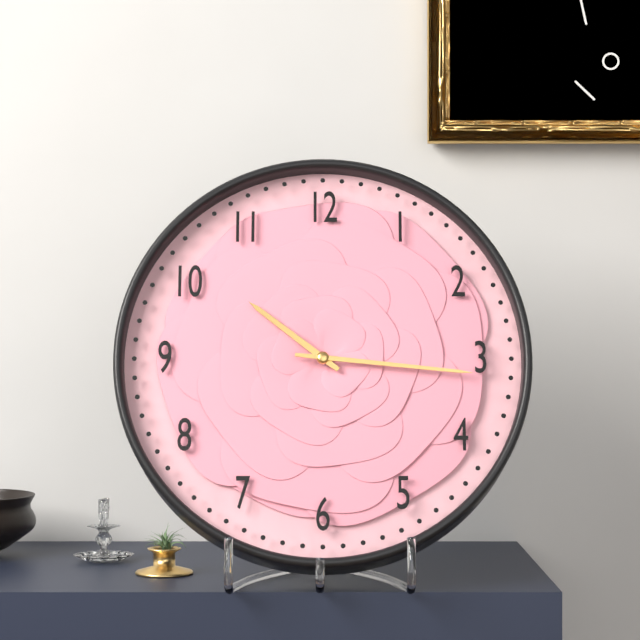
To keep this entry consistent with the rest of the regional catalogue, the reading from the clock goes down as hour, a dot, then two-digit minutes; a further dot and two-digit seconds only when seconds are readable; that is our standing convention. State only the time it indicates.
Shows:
10.16
